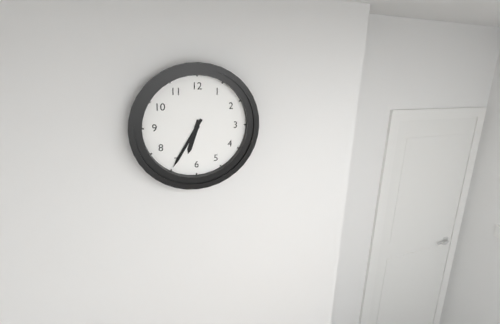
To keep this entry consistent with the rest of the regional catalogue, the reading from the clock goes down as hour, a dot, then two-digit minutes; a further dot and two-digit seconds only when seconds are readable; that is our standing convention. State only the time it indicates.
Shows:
6.35
